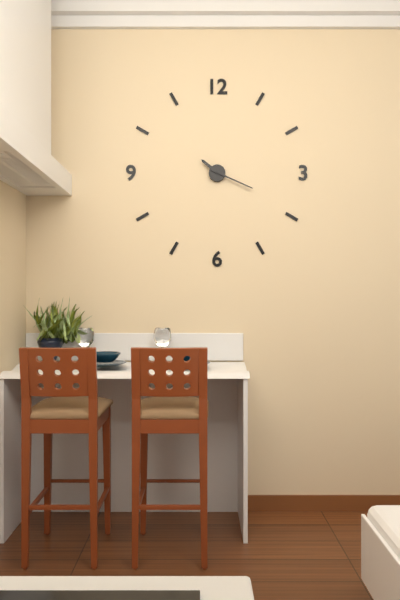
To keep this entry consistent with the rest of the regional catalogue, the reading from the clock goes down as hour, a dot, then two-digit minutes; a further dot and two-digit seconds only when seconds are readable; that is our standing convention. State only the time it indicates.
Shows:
10.19
